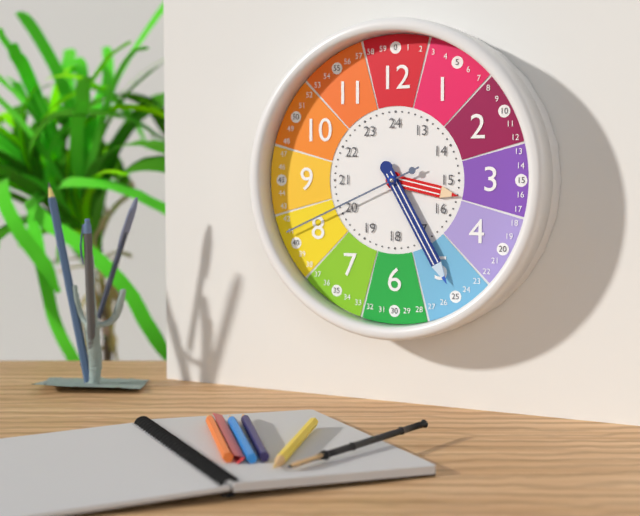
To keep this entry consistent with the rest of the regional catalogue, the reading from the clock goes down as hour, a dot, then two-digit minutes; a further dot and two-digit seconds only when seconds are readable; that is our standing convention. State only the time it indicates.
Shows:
3.25.41
